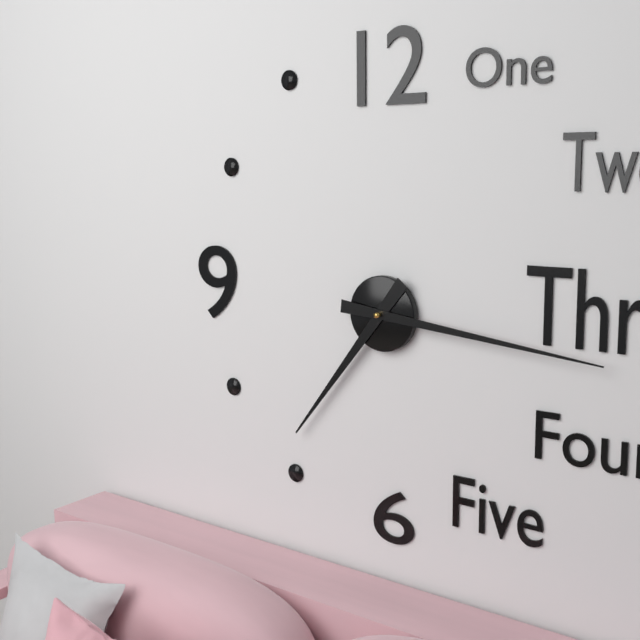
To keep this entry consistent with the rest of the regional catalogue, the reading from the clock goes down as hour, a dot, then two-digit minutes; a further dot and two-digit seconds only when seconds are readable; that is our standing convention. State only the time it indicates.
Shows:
7.16
